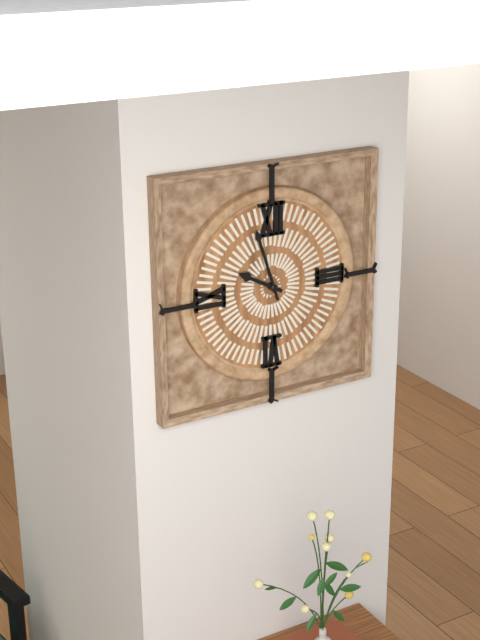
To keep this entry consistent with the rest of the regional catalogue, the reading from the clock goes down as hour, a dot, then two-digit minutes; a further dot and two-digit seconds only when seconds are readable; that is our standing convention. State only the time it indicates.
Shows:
9.57
